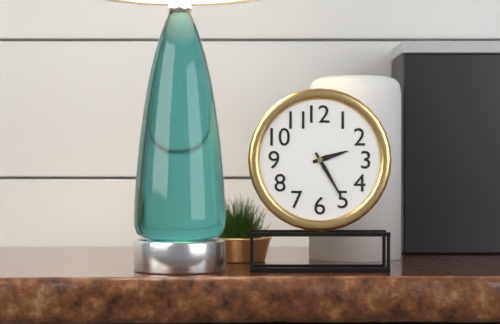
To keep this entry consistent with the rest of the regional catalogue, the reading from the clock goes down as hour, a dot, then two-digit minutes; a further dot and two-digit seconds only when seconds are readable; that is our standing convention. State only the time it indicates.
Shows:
2.25
